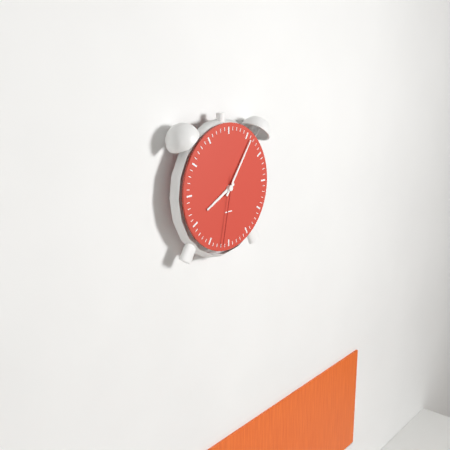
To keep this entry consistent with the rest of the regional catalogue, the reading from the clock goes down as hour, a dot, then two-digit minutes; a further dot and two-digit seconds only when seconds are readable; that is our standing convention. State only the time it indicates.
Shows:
8.06.32
